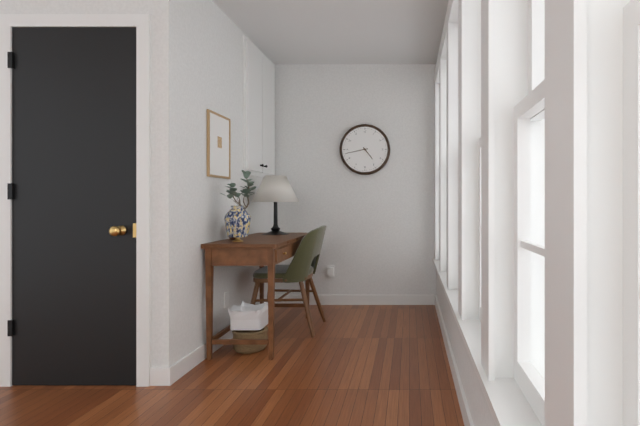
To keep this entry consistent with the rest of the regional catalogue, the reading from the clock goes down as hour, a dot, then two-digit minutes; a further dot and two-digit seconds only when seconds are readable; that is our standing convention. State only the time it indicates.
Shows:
4.43
